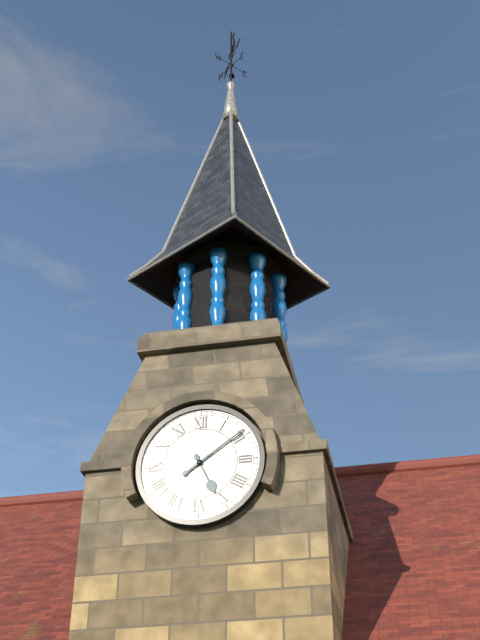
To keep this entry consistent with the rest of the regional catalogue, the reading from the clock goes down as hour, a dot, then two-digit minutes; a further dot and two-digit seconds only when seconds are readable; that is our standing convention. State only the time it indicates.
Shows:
5.09
